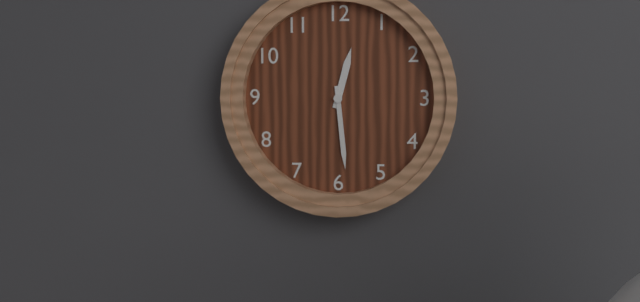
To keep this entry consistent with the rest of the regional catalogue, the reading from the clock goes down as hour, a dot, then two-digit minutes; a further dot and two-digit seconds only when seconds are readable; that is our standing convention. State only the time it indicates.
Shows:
12.29
